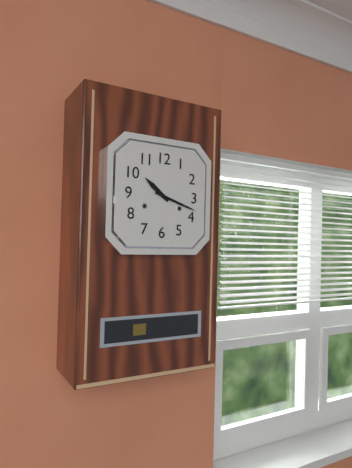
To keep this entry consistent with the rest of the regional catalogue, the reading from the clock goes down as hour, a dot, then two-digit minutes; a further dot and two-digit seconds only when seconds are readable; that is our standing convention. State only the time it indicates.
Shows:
10.18
